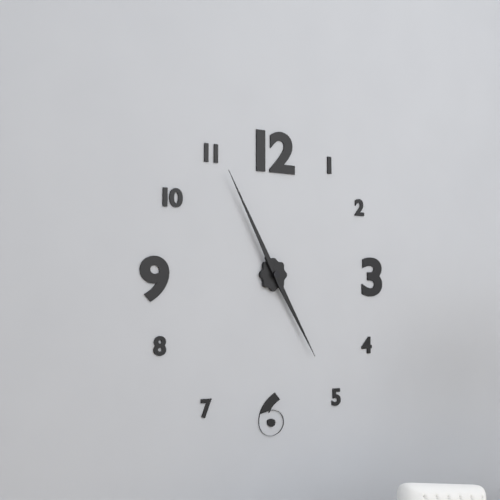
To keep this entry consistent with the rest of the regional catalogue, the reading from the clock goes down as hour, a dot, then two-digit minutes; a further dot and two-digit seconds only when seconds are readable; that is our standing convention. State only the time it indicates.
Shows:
4.55
